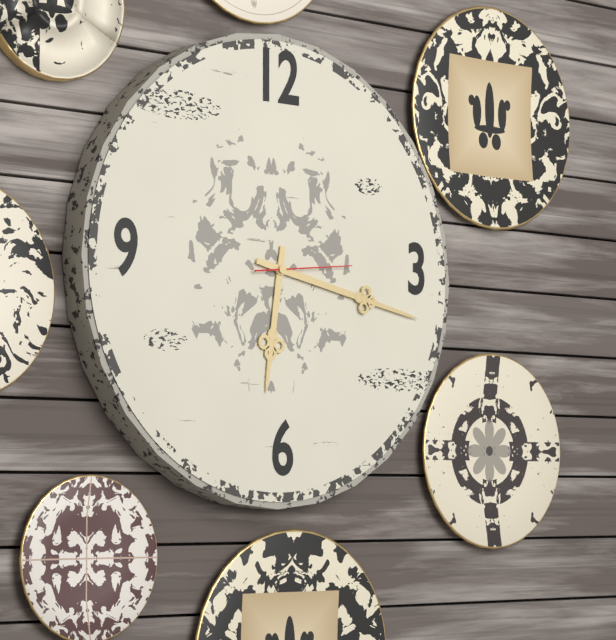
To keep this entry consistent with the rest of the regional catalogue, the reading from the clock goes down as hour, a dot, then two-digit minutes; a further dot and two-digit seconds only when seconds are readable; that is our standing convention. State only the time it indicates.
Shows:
6.17.14
